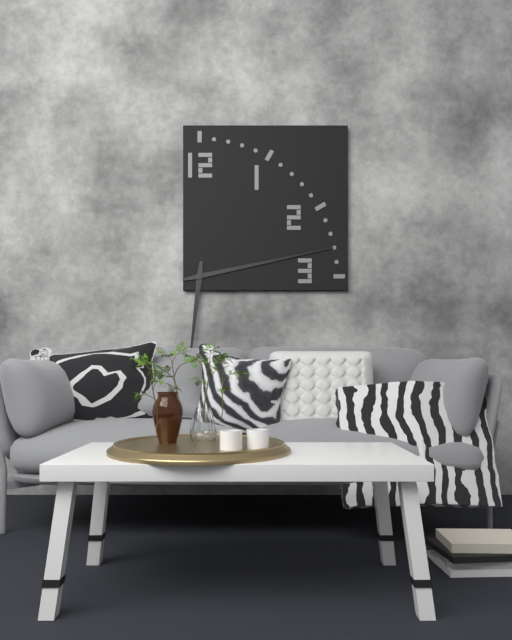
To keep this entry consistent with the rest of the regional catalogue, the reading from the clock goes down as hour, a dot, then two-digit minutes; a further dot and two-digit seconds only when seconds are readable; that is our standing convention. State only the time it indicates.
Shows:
6.13
